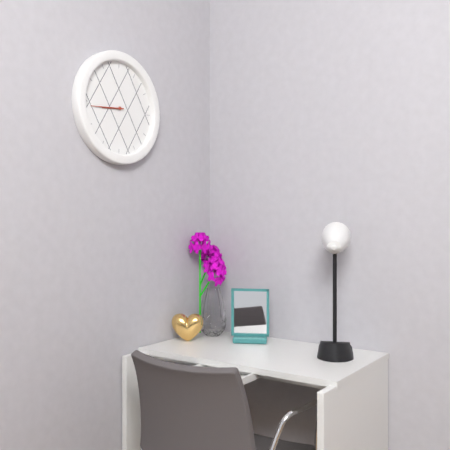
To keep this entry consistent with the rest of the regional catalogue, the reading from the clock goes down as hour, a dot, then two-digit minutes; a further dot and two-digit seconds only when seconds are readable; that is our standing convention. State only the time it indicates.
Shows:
8.44
